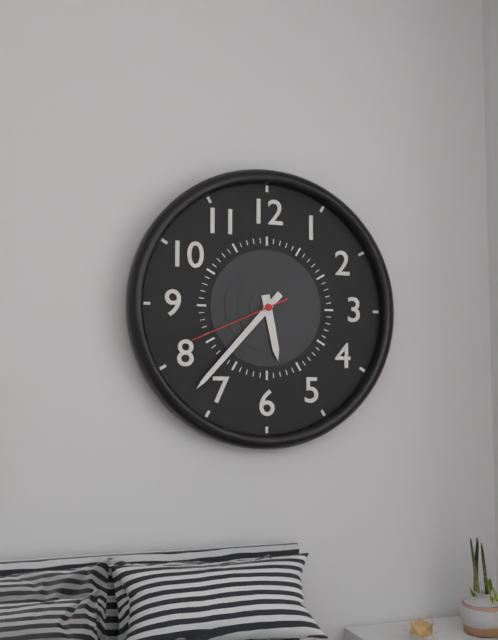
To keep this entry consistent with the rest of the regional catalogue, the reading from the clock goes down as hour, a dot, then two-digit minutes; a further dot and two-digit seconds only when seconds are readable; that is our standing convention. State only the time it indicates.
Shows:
5.37.41
